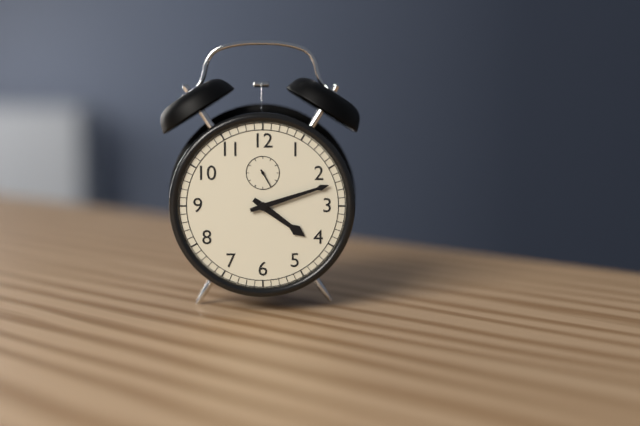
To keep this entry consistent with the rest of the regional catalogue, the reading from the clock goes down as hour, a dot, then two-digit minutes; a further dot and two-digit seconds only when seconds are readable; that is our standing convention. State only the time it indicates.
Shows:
4.12
